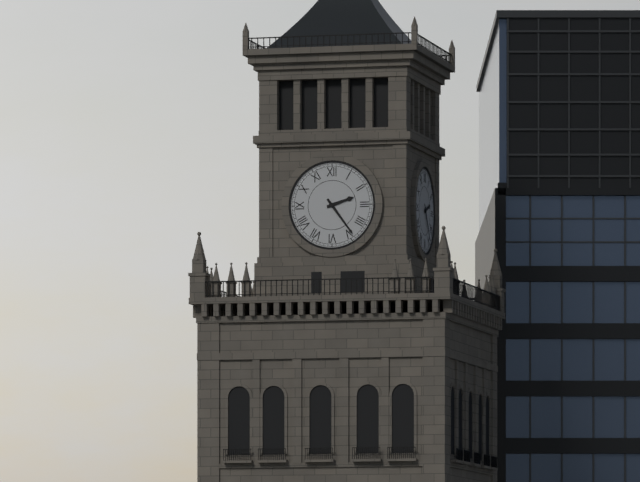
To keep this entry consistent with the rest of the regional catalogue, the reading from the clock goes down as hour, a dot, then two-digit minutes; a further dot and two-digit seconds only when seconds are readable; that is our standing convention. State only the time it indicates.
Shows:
2.24
